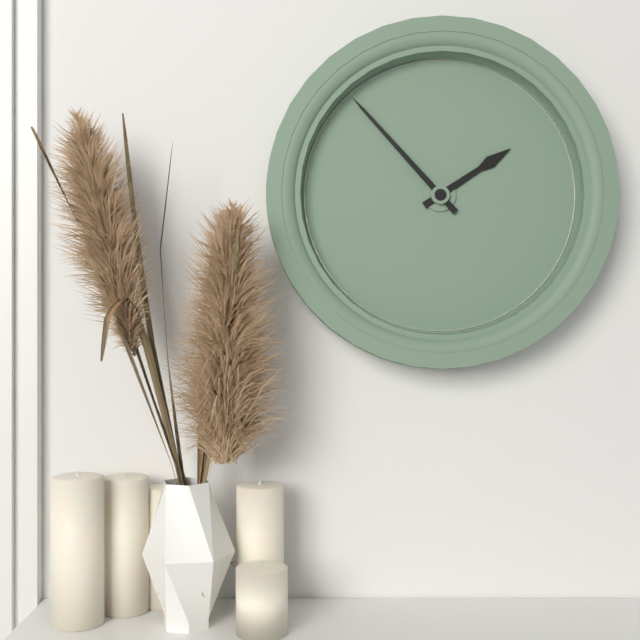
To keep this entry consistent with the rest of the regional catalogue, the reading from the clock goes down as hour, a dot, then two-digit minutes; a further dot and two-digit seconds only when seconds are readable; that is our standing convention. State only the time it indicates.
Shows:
1.53
